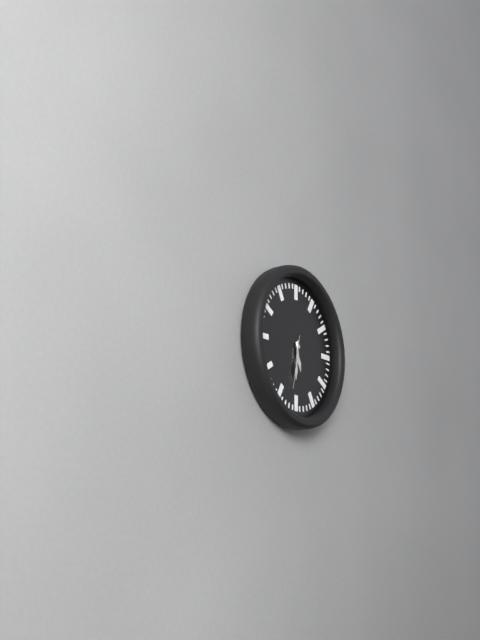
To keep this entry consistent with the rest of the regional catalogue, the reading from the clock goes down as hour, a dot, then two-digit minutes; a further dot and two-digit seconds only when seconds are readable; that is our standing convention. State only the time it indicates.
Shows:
5.31.32
